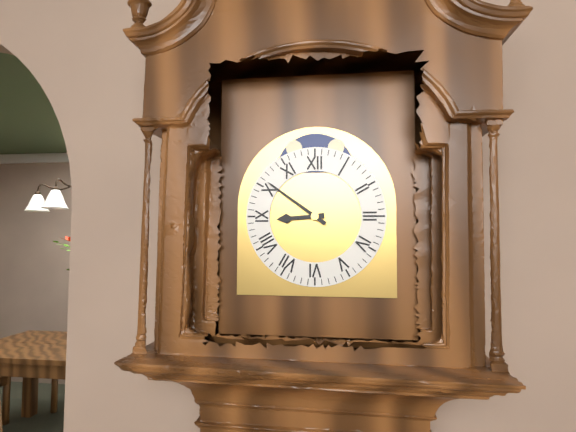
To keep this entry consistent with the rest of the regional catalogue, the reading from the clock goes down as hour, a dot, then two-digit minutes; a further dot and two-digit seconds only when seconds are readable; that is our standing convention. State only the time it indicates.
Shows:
8.51
